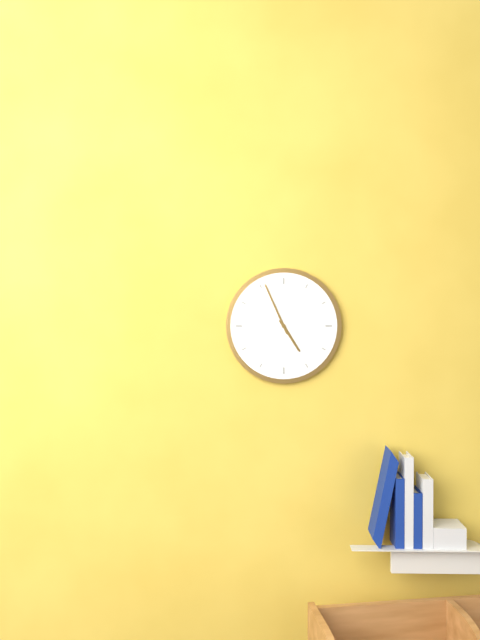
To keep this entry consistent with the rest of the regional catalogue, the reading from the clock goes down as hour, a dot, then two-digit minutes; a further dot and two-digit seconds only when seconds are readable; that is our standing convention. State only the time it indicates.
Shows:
4.56
